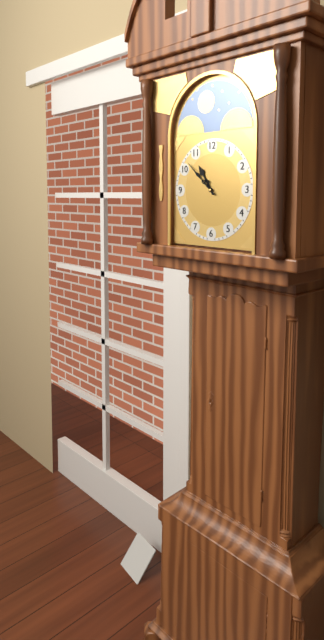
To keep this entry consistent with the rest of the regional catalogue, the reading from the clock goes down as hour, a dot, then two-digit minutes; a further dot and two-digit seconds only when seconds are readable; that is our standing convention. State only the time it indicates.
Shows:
10.52
